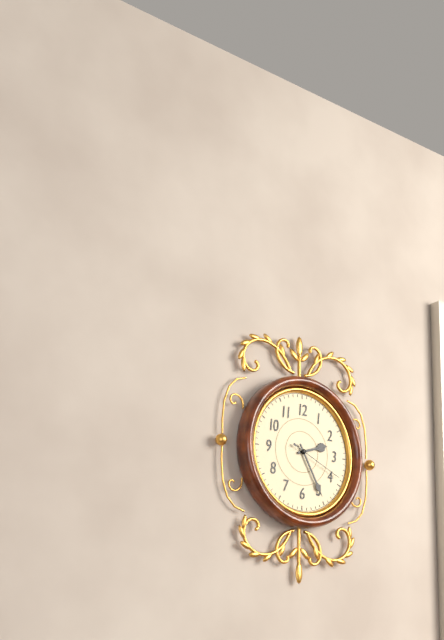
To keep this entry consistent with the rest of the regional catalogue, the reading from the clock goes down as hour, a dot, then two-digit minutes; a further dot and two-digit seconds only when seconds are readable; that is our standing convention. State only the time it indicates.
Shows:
2.25.19
